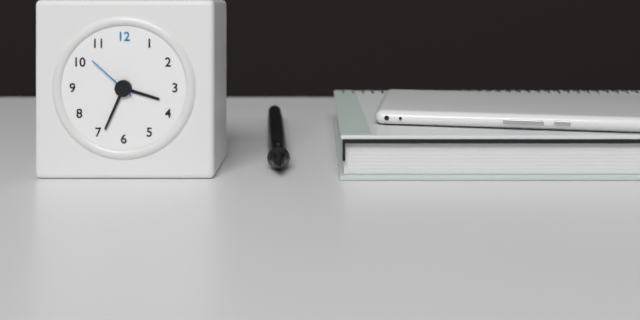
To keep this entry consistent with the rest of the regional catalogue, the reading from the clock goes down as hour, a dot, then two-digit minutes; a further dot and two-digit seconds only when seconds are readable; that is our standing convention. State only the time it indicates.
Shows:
3.34.52
